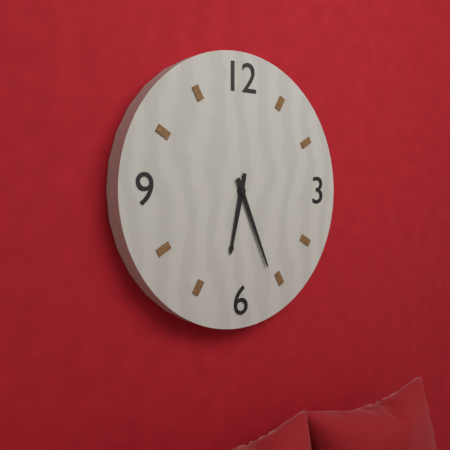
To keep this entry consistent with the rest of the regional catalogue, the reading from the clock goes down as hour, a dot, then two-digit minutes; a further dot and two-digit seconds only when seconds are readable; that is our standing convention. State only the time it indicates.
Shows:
6.26
